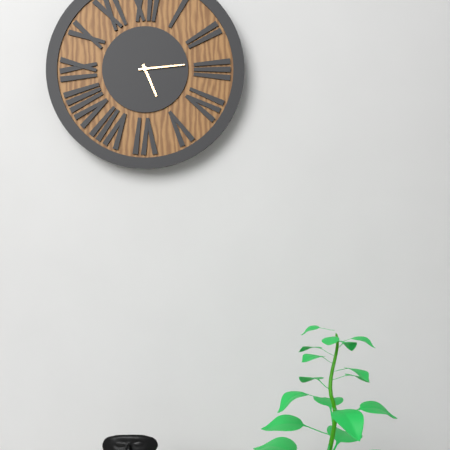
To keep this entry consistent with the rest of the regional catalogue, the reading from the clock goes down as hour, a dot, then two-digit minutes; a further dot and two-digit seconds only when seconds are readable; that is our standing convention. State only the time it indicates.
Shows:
5.14
